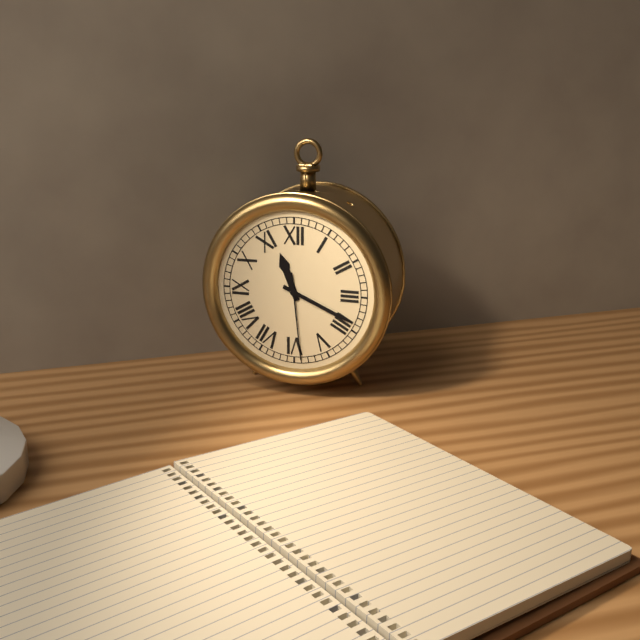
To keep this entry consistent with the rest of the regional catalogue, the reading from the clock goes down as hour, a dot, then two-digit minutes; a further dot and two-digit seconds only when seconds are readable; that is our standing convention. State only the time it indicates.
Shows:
11.19.29
